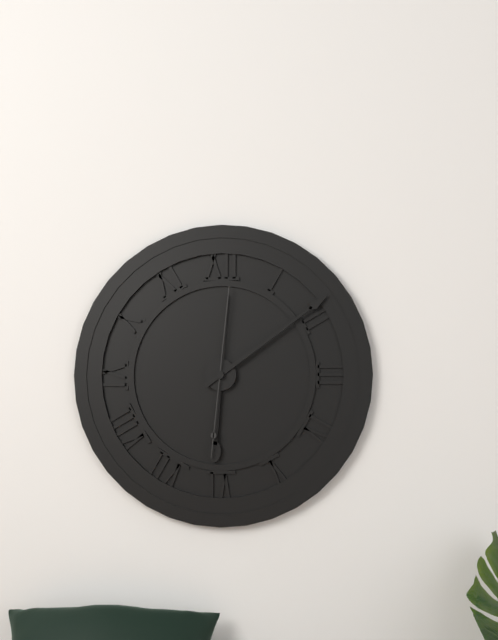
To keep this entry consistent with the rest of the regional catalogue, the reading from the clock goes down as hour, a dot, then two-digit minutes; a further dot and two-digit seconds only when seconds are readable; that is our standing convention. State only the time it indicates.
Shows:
6.09.01
